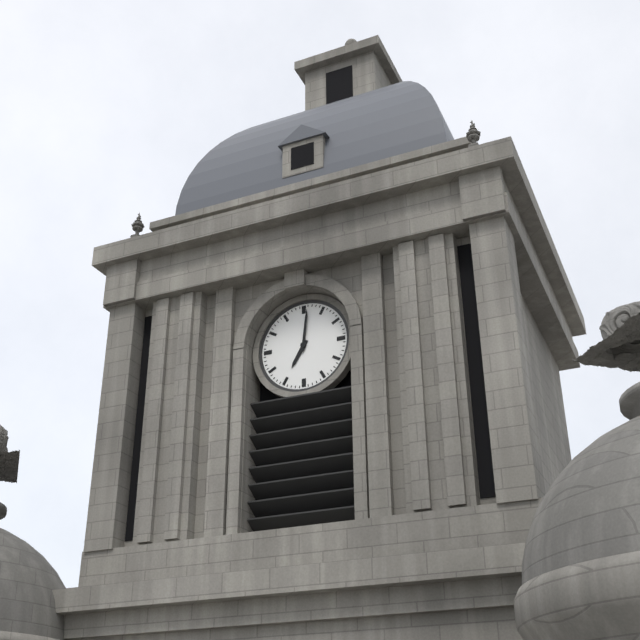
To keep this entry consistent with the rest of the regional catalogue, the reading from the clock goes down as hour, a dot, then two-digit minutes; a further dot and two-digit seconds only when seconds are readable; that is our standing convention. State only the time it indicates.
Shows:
7.01
